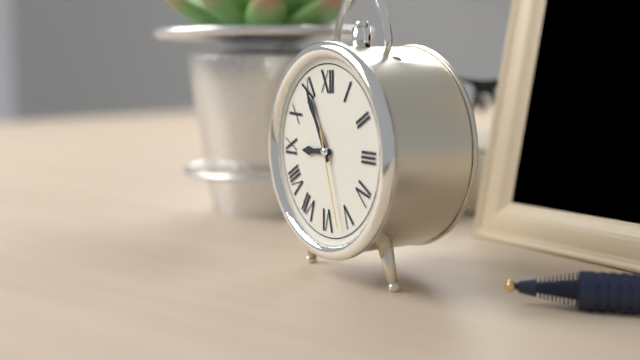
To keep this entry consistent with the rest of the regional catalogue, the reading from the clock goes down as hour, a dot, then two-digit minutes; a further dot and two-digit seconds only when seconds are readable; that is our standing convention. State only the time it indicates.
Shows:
8.55.27
